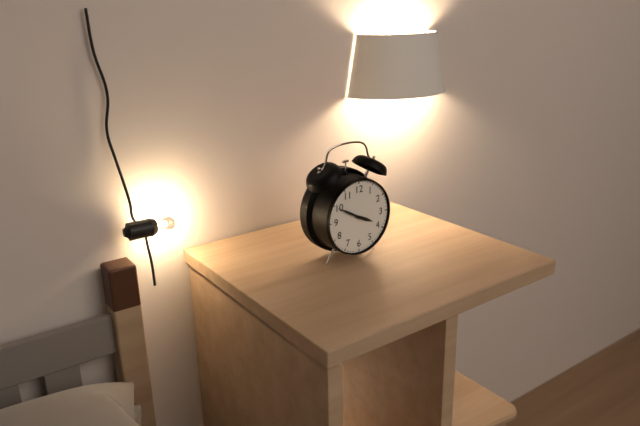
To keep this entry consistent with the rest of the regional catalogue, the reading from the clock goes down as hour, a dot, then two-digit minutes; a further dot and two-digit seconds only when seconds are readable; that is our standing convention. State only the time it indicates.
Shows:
3.50
